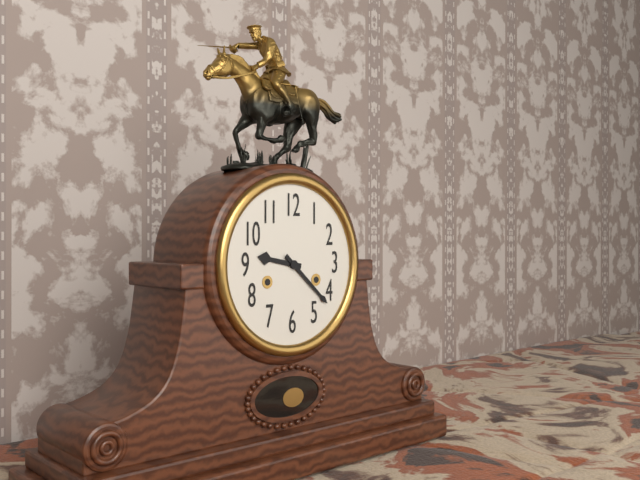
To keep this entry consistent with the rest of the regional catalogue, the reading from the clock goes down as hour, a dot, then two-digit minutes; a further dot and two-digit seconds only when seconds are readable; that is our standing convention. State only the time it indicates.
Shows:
9.22
